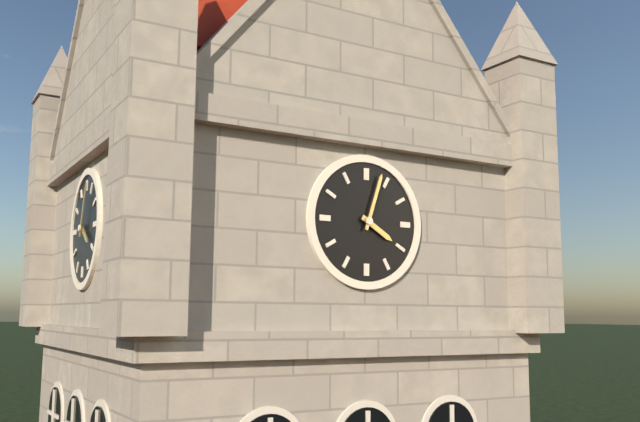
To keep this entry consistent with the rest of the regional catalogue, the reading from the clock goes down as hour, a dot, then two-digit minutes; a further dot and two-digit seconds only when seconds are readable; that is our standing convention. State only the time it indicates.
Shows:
4.03
